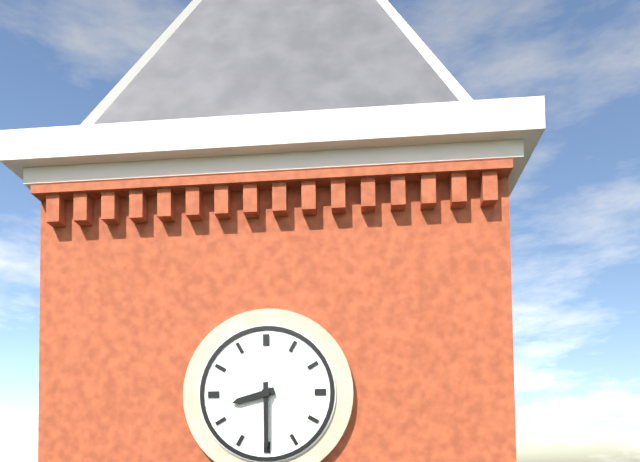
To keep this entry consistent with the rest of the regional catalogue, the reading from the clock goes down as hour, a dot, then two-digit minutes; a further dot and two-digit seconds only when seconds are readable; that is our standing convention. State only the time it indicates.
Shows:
8.30
